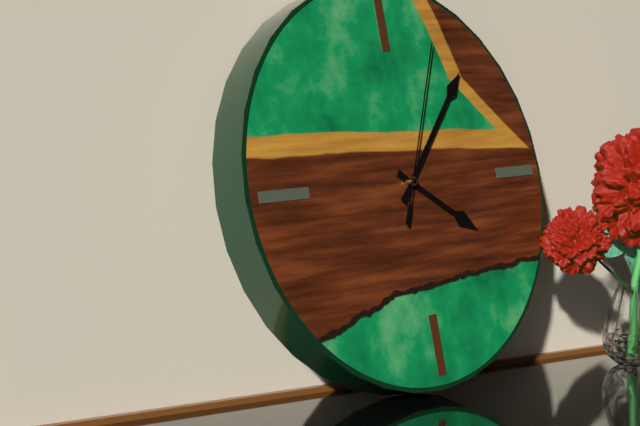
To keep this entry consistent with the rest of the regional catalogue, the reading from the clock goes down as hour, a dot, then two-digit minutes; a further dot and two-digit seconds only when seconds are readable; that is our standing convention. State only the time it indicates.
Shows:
4.07.04
